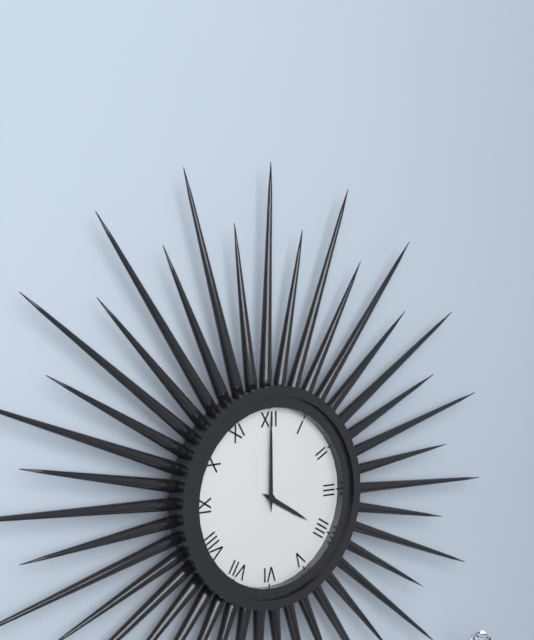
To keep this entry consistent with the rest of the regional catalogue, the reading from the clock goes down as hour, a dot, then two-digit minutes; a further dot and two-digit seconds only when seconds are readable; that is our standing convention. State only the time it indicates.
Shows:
4.00
